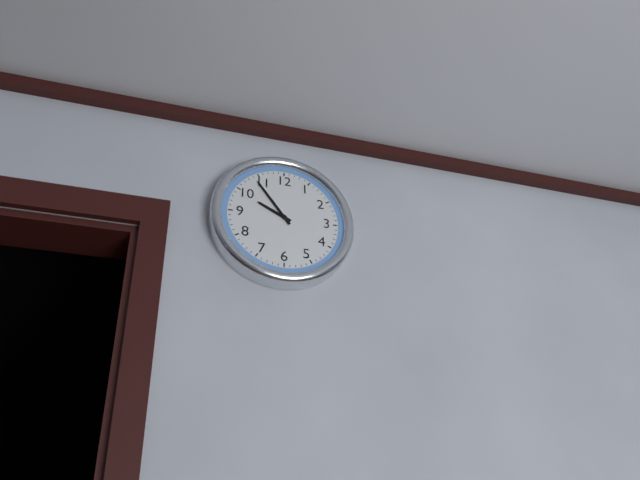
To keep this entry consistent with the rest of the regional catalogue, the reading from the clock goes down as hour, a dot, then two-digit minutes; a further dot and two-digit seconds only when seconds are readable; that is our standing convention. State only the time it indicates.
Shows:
9.54
